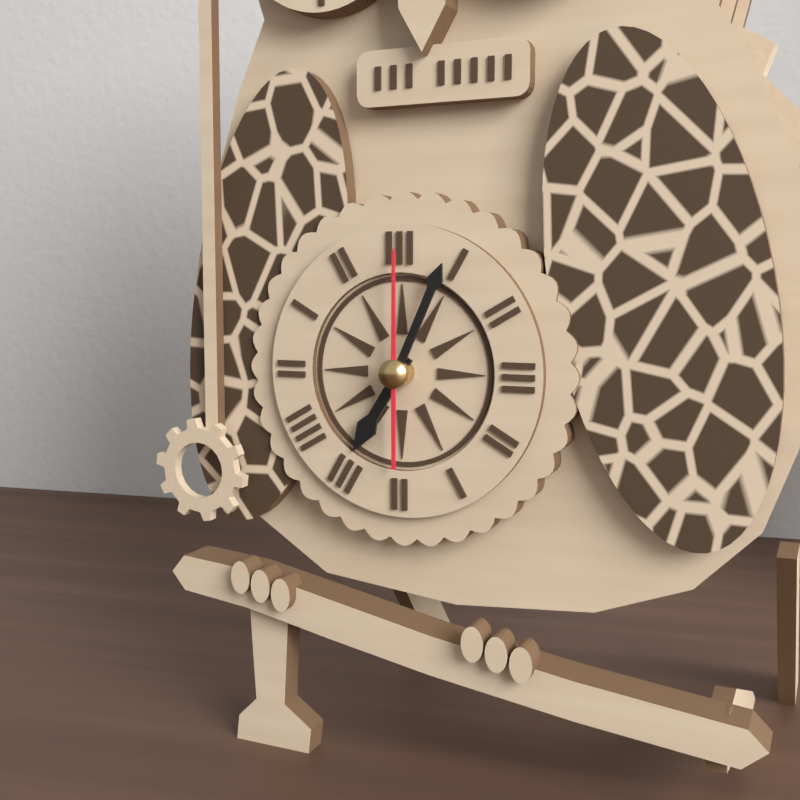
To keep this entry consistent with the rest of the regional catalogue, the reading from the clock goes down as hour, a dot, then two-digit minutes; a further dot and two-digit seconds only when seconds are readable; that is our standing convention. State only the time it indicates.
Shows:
7.04.00
